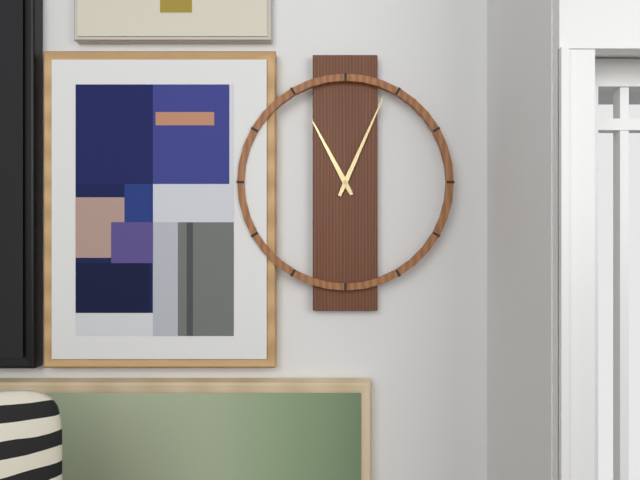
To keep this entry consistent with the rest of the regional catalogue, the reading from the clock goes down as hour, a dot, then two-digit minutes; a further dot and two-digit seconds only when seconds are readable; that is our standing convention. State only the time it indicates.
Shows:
11.04
